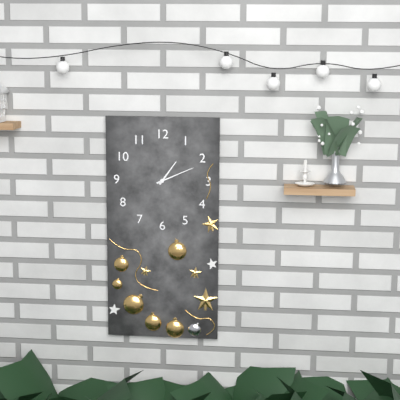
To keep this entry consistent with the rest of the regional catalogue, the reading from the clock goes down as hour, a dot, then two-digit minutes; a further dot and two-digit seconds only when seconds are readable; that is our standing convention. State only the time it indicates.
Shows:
1.11
